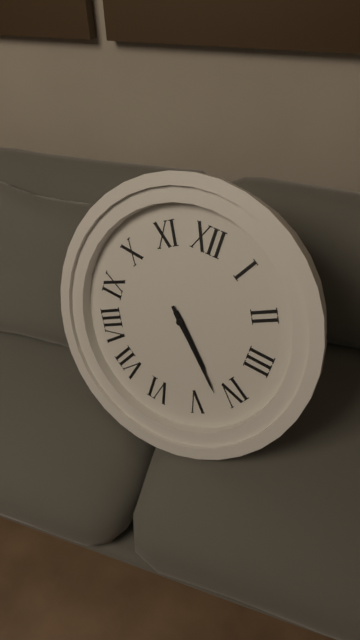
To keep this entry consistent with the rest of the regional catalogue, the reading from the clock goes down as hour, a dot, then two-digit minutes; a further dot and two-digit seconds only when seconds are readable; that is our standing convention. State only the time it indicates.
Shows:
4.22
